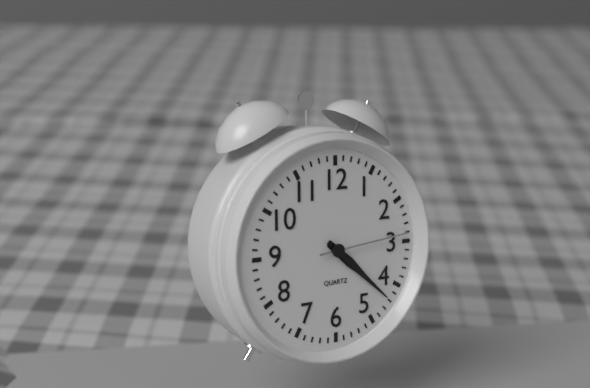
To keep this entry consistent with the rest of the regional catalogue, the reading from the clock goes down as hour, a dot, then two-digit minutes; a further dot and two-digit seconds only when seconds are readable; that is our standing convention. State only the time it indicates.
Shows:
4.22.14
